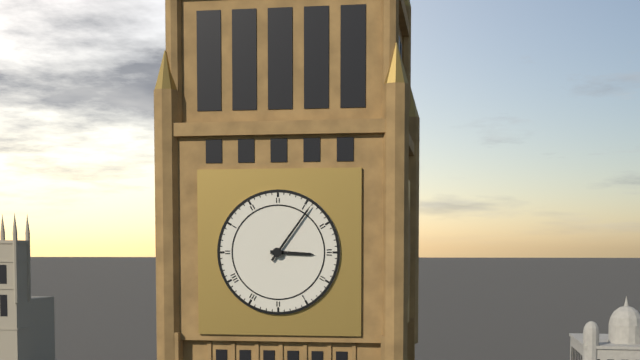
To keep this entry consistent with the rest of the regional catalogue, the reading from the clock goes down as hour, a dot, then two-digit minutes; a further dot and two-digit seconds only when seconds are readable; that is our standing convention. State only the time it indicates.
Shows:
3.06
